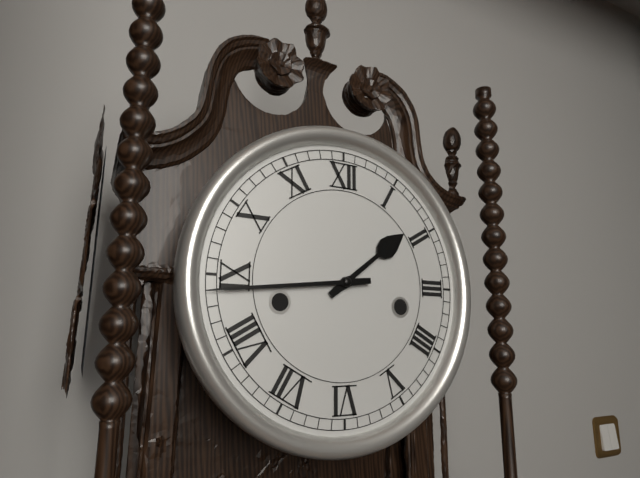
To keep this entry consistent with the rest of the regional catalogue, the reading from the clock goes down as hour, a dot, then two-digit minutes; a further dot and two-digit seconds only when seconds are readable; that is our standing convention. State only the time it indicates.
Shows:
1.44
